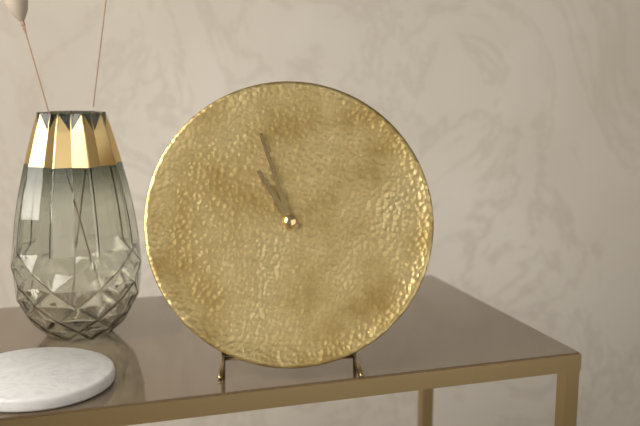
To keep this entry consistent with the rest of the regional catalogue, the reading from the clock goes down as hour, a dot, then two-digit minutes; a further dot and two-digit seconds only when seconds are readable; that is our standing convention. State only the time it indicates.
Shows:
10.57
